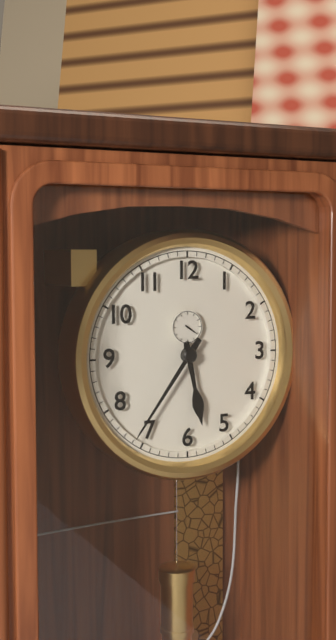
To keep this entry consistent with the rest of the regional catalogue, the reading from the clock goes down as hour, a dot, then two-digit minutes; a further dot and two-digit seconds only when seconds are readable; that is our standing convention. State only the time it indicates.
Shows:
5.36
